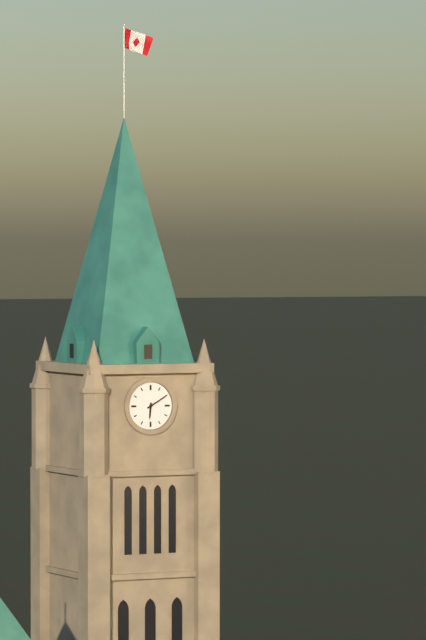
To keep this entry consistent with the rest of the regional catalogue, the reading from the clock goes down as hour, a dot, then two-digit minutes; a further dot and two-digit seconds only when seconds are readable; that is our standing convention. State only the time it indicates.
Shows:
6.10
